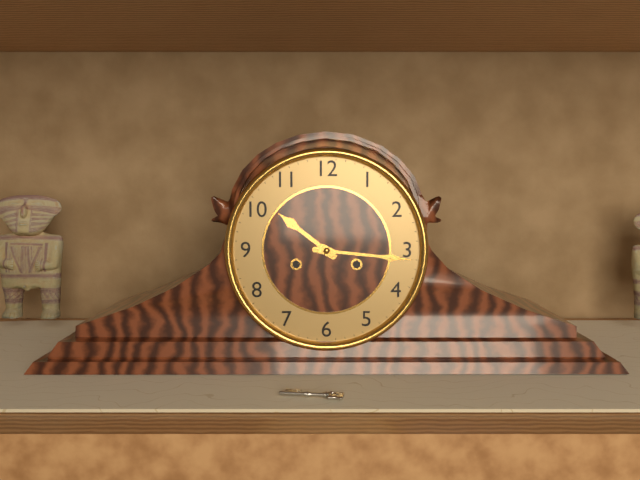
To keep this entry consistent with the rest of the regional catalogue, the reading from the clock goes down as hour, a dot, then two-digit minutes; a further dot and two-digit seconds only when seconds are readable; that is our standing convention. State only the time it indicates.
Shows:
10.16
